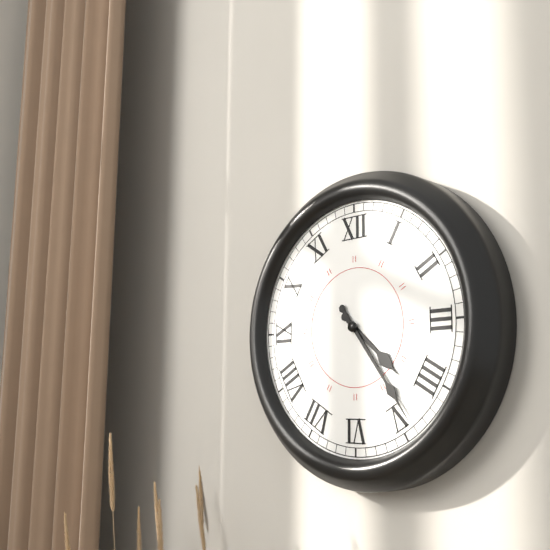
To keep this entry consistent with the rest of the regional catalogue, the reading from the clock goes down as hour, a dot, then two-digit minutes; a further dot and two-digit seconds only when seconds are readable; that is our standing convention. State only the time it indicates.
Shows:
4.24
